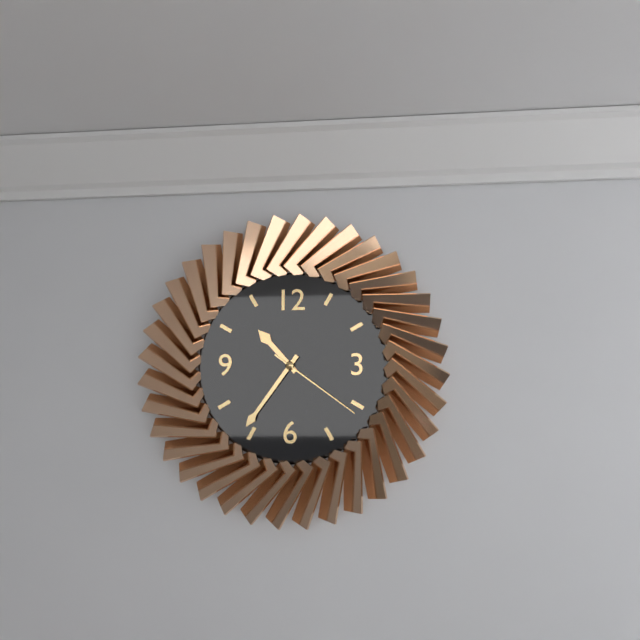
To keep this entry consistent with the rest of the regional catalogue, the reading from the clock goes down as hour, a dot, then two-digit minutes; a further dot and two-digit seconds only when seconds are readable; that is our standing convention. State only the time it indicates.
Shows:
10.36.21
